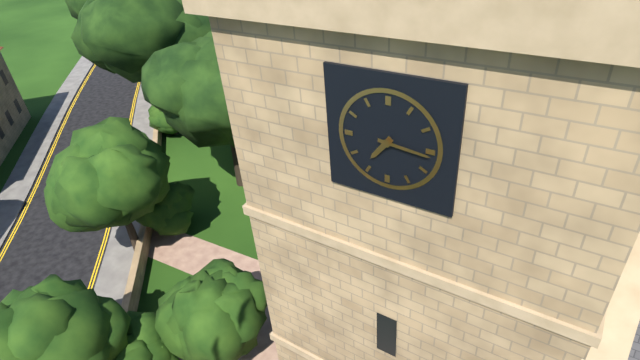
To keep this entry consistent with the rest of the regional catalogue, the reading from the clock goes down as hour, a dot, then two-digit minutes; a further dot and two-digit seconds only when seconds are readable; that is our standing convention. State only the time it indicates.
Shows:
7.16
